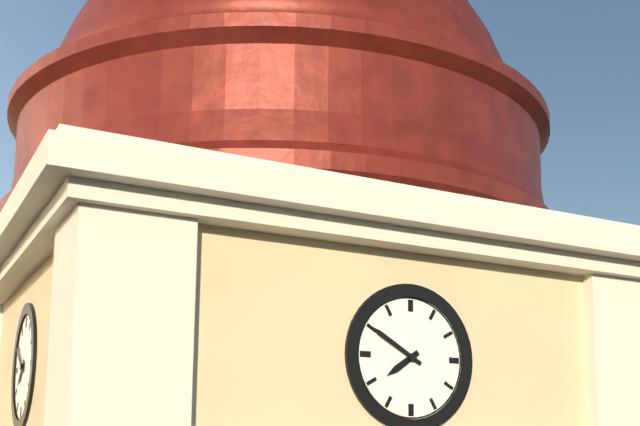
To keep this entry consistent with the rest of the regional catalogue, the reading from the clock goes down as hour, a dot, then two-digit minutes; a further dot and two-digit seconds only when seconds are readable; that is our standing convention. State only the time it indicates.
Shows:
7.50
